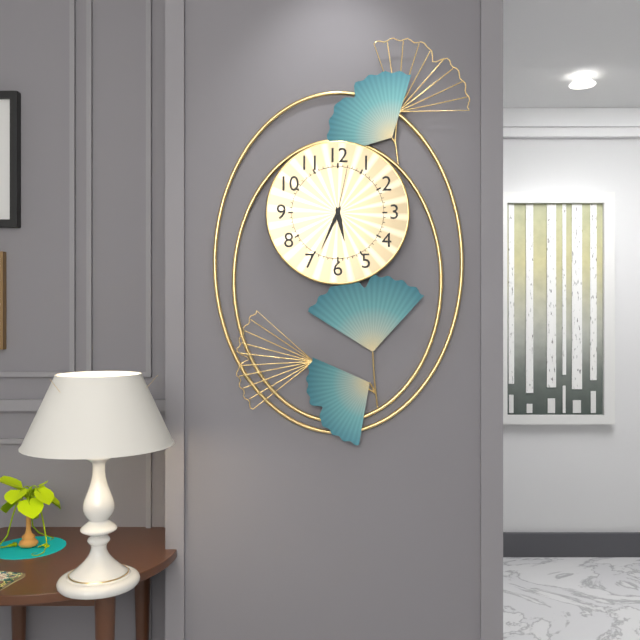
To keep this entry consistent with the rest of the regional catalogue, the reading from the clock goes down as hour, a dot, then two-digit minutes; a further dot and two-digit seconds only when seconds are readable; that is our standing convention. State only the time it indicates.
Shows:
5.34.02
